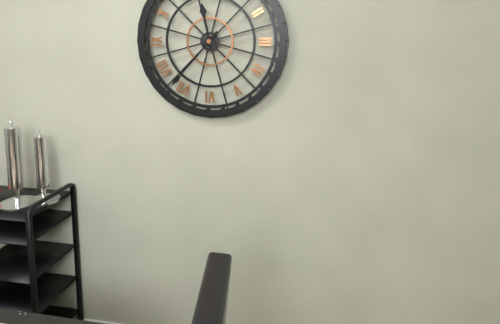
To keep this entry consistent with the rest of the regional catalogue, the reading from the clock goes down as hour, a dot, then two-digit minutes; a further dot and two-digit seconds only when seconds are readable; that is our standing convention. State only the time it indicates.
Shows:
11.37
